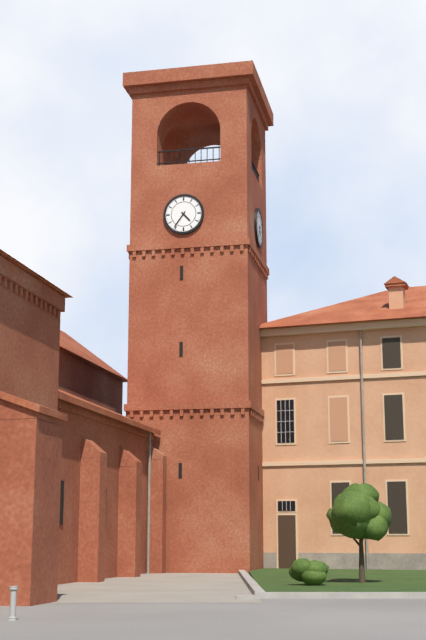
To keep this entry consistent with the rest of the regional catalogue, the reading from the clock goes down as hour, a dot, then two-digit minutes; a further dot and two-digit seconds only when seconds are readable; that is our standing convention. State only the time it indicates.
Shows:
4.36
